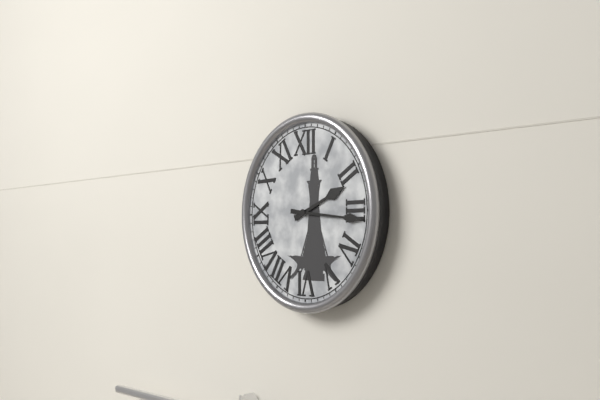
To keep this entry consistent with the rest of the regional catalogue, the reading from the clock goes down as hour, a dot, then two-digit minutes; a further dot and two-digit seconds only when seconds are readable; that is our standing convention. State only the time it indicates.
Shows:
2.16
